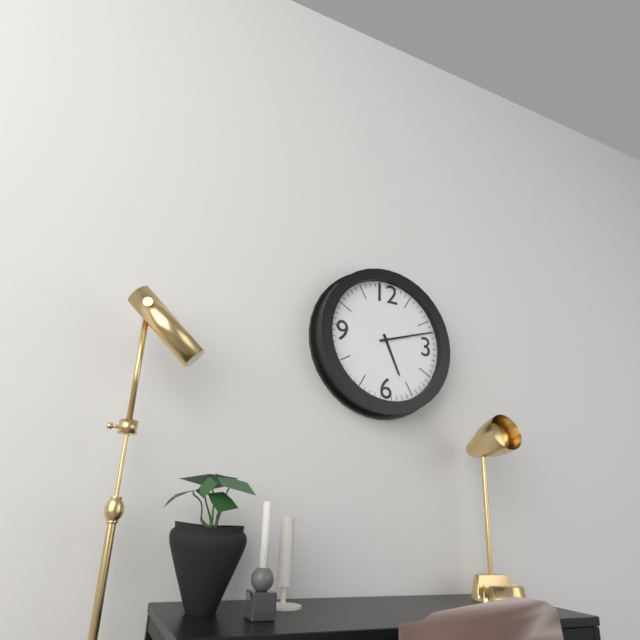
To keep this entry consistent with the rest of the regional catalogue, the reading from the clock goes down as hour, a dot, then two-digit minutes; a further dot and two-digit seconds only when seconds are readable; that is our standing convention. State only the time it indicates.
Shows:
5.12
